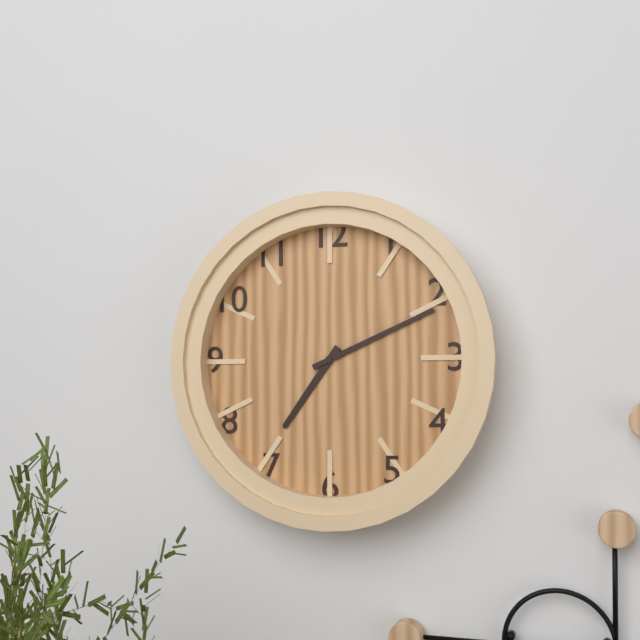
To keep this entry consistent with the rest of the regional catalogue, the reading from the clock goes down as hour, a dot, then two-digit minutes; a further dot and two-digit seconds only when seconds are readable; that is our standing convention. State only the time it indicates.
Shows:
7.11
